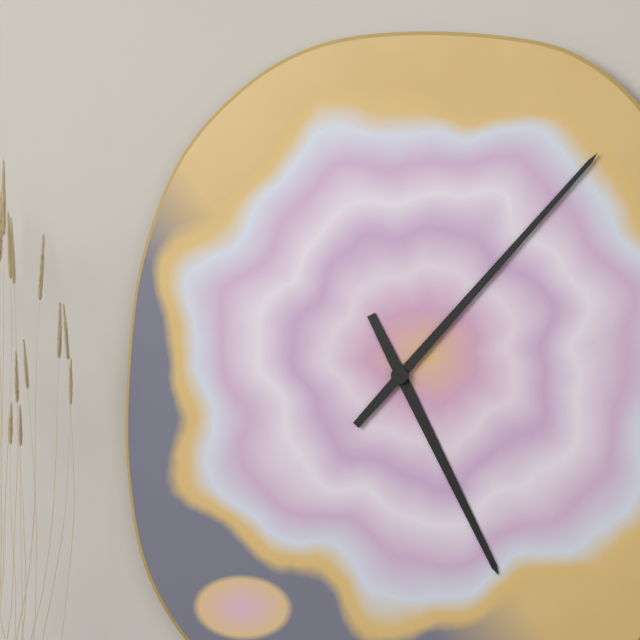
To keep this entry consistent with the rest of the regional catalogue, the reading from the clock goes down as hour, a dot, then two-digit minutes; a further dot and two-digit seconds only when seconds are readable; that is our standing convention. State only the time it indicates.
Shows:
5.07
